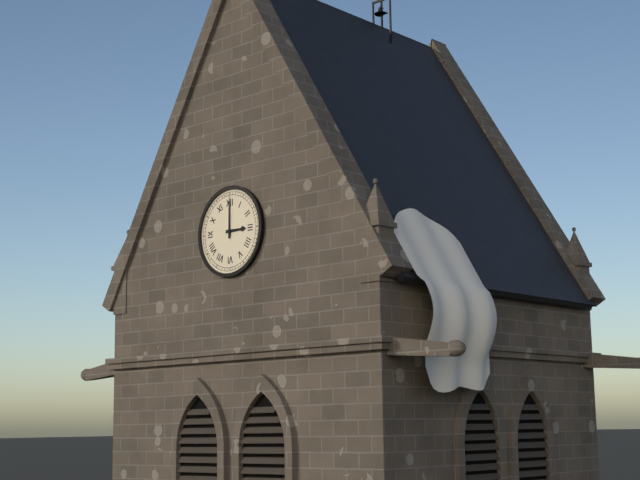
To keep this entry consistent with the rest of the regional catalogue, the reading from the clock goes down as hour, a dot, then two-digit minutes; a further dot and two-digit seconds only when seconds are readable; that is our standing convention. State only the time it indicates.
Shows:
3.00
